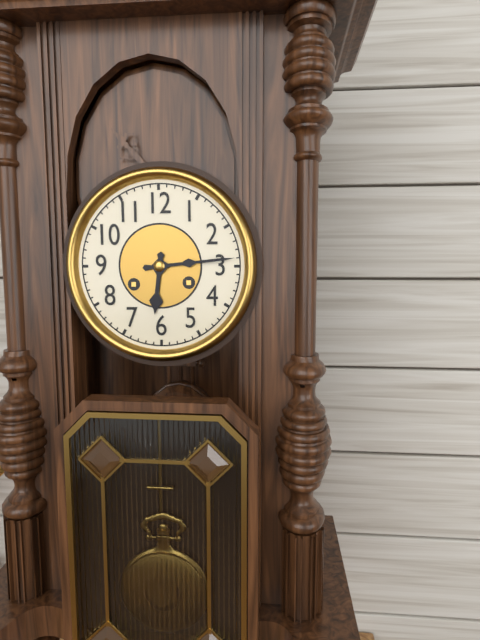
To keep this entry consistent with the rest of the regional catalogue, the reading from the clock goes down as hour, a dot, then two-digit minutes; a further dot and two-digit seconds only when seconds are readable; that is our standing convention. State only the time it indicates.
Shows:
6.14
